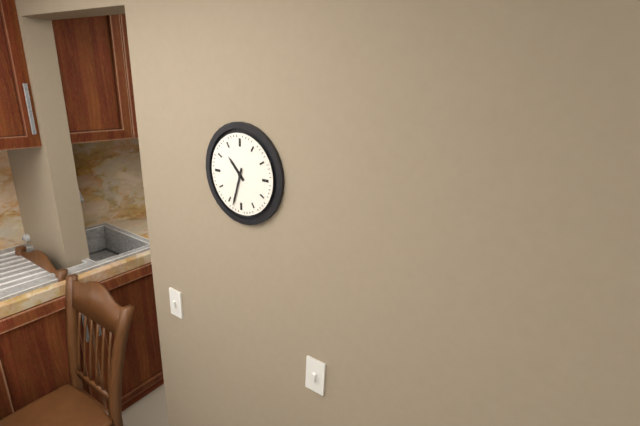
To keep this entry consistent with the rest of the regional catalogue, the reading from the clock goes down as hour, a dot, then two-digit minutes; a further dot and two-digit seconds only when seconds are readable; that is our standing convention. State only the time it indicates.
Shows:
10.33
